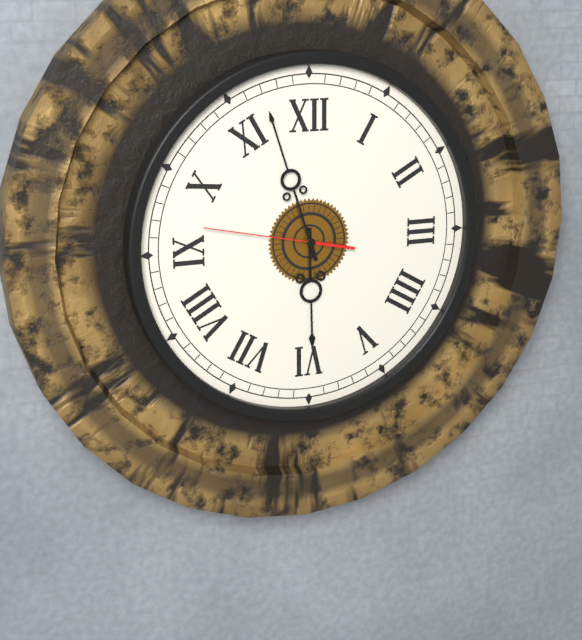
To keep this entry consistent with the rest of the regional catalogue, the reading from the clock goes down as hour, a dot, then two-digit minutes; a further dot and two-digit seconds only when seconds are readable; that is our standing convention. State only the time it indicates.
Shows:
5.57.47
